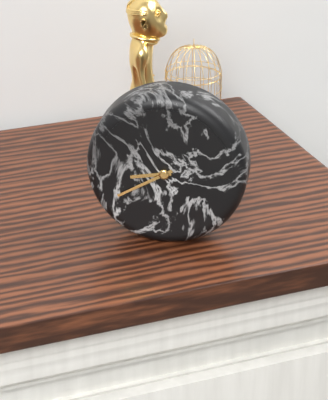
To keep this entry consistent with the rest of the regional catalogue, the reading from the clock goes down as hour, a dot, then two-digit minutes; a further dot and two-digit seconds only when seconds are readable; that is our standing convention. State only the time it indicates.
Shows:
8.40
